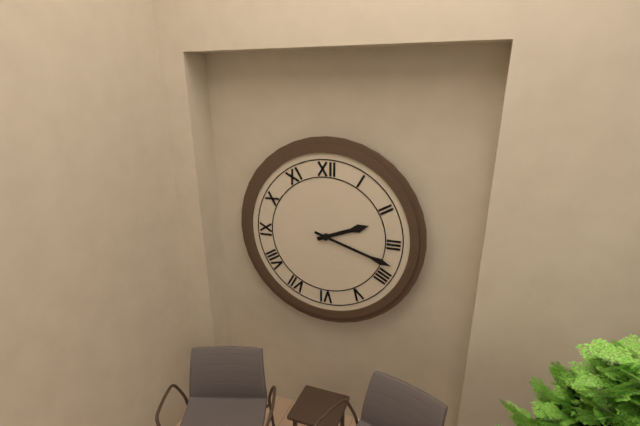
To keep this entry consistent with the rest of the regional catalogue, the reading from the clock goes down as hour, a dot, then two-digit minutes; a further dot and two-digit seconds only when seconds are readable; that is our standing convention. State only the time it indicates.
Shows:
2.18
